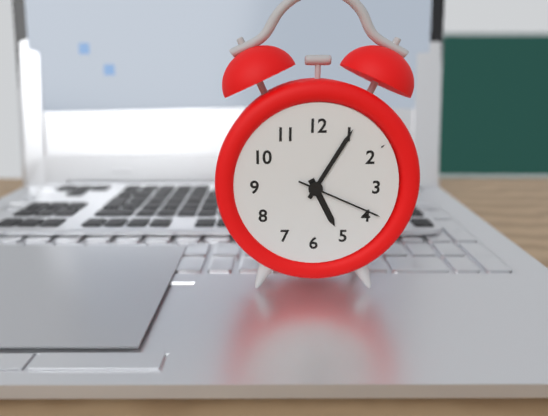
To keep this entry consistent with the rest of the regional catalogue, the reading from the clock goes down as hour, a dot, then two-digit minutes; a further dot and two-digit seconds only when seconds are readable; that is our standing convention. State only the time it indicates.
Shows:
5.05.19
